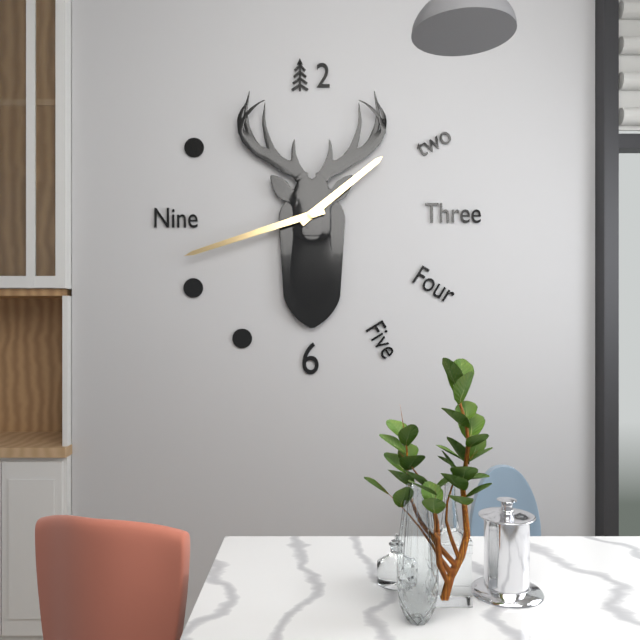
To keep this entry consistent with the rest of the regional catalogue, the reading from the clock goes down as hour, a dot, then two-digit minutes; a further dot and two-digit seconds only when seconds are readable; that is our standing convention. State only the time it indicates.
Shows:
1.42
